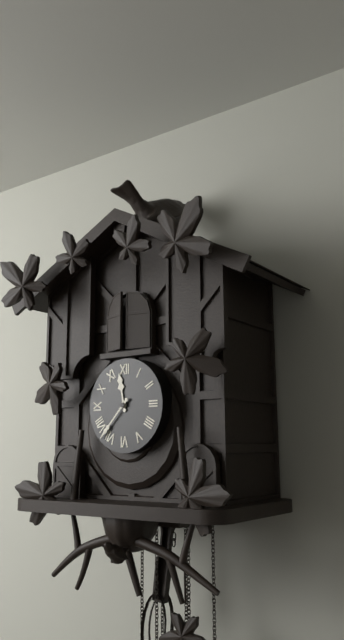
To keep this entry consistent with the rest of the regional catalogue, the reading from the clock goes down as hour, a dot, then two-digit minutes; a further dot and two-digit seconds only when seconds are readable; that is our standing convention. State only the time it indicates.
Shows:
11.37
